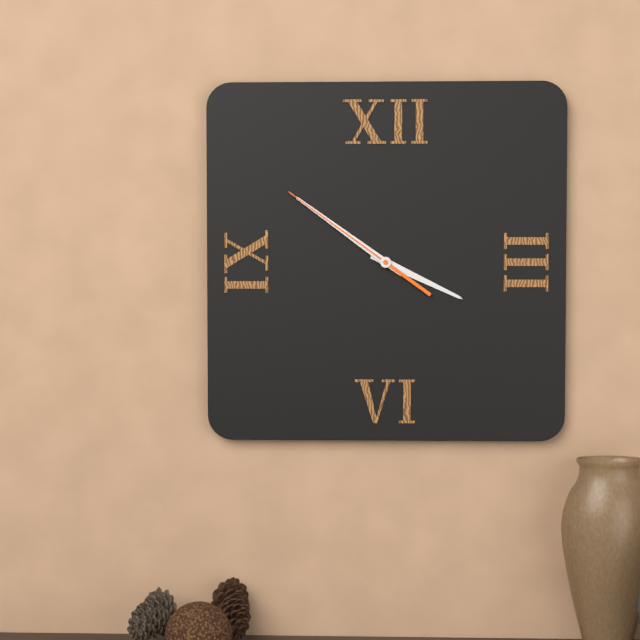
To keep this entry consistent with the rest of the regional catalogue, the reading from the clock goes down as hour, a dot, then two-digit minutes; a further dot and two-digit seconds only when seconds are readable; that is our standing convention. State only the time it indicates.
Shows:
3.51.51
